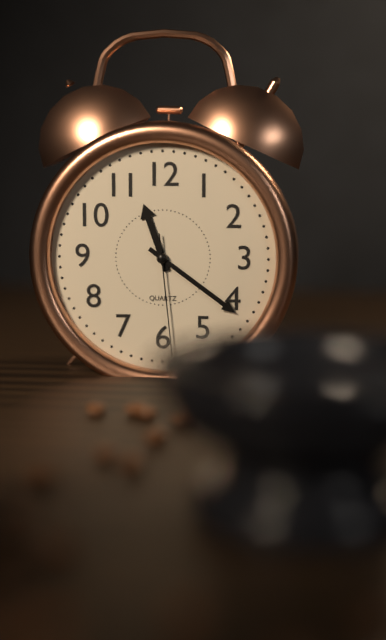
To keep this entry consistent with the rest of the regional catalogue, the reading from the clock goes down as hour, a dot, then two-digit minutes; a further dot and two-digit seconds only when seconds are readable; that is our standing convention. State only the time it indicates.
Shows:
11.21.29
